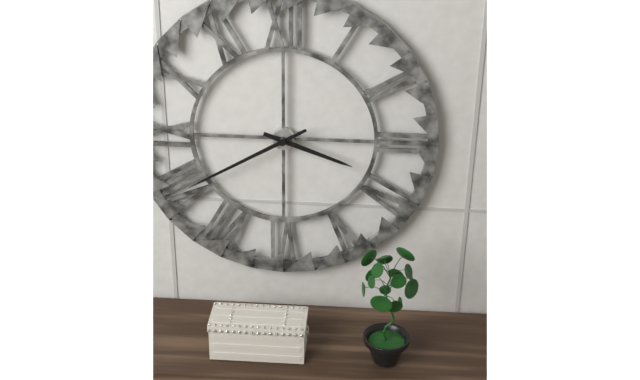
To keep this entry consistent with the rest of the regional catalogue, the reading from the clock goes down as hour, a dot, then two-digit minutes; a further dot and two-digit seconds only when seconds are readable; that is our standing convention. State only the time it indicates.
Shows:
3.40
